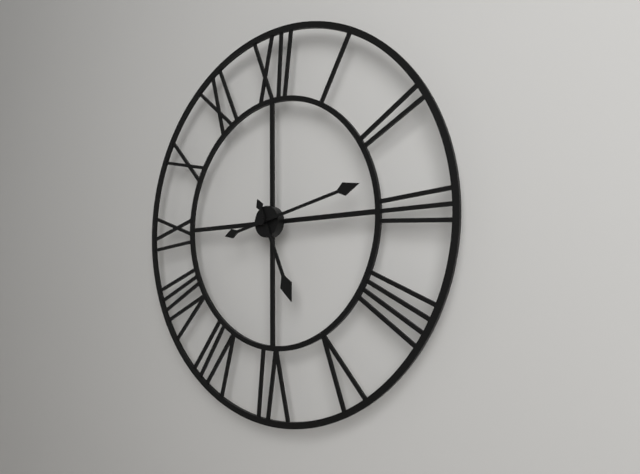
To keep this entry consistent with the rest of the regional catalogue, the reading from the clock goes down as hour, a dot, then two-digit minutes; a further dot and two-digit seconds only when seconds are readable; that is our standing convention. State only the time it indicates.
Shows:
5.13
